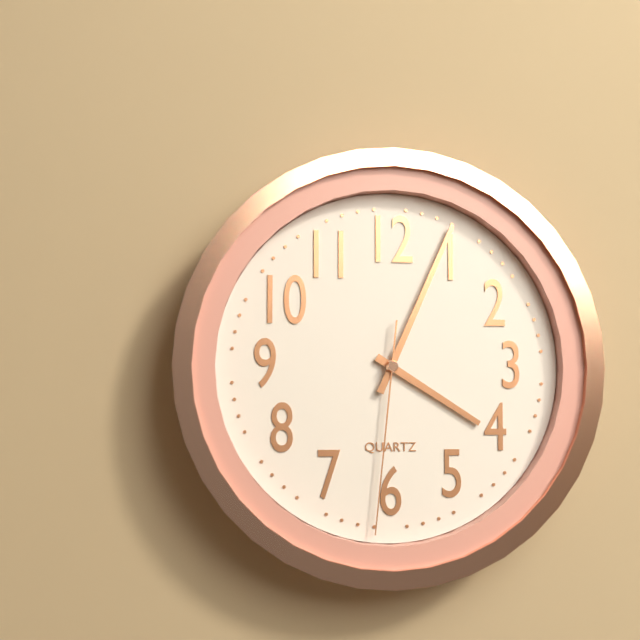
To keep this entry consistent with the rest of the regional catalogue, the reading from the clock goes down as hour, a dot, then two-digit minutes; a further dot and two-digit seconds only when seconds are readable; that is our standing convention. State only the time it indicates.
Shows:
4.04.31
